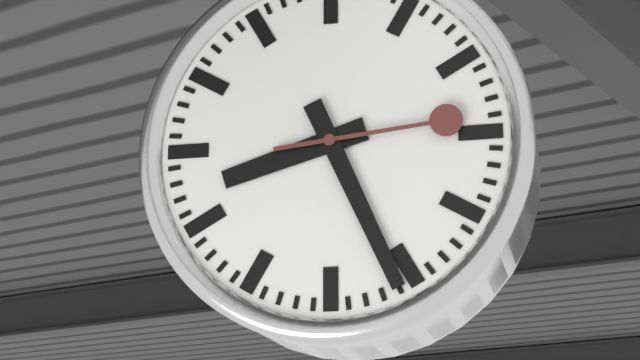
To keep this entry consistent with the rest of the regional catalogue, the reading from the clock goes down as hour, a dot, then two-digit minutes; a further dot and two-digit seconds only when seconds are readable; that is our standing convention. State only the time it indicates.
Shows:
8.26.14
